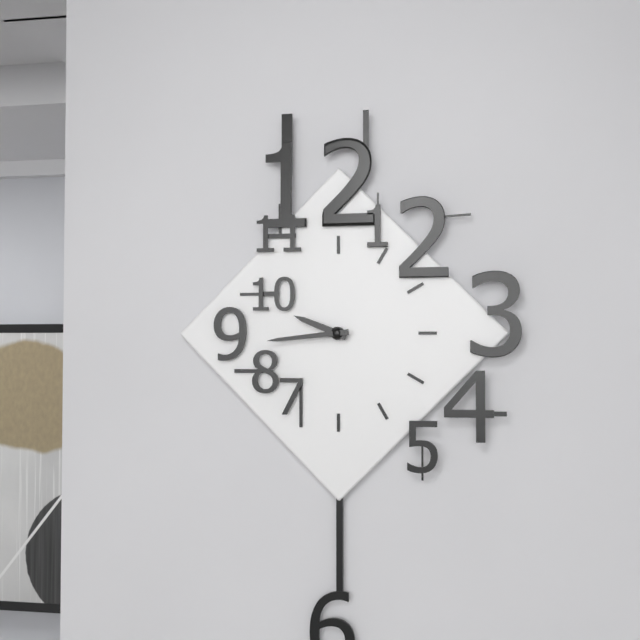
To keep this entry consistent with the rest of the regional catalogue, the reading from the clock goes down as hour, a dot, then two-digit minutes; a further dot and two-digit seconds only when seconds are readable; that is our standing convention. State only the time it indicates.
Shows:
9.44
